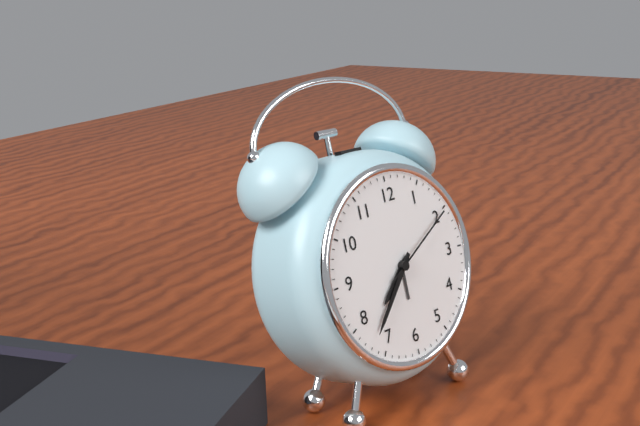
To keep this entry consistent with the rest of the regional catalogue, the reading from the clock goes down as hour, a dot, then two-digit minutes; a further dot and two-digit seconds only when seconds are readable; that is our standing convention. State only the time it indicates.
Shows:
7.37.10
